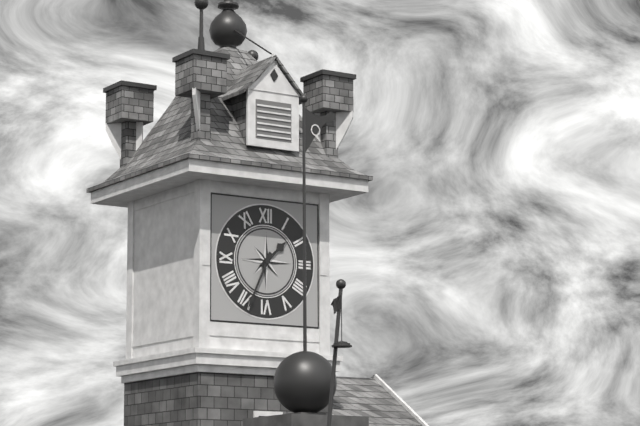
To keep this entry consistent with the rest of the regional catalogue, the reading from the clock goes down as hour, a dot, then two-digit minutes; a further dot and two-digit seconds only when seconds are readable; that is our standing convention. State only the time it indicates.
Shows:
1.34
